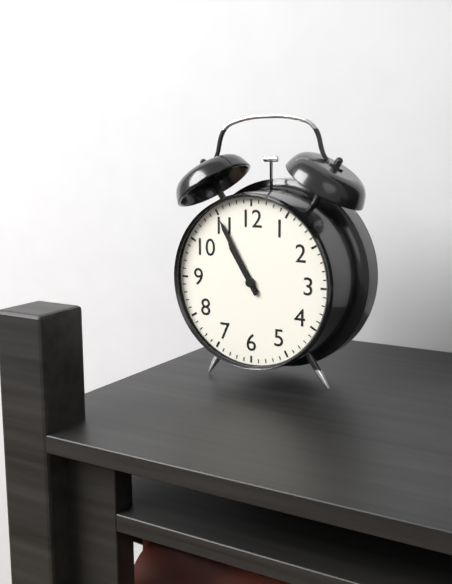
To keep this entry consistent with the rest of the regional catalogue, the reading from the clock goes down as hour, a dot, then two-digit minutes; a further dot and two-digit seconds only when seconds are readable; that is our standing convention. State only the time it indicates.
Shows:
10.55
